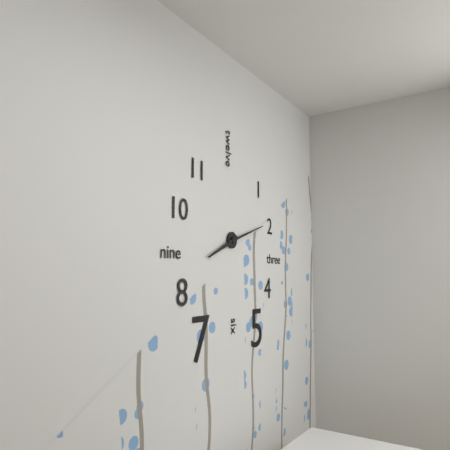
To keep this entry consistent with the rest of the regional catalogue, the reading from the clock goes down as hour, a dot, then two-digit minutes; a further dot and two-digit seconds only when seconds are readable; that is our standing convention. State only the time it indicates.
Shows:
8.12
